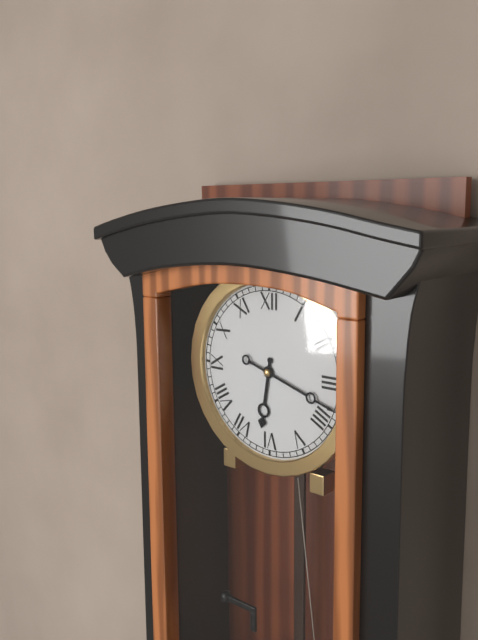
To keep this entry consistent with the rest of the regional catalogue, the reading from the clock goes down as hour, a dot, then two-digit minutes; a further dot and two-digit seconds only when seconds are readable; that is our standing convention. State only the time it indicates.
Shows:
6.18
